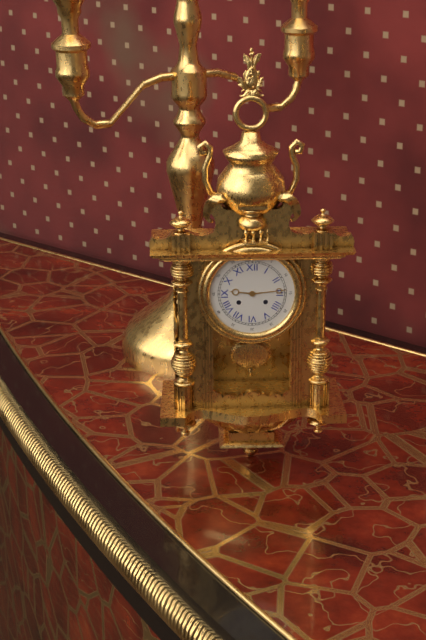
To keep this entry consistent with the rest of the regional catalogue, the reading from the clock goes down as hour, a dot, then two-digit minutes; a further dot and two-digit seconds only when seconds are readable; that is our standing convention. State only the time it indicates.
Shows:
9.14
